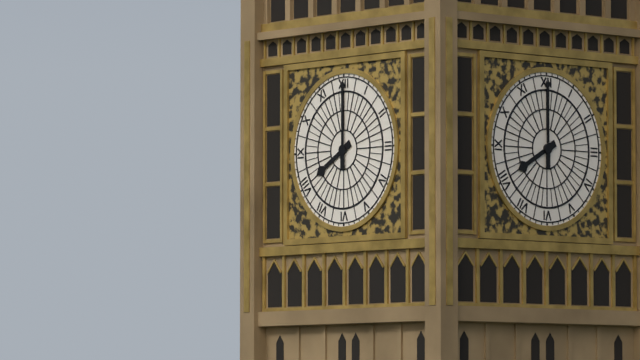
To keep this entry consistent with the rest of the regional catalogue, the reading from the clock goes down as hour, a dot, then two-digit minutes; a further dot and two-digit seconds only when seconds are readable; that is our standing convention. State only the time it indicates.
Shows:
8.00
